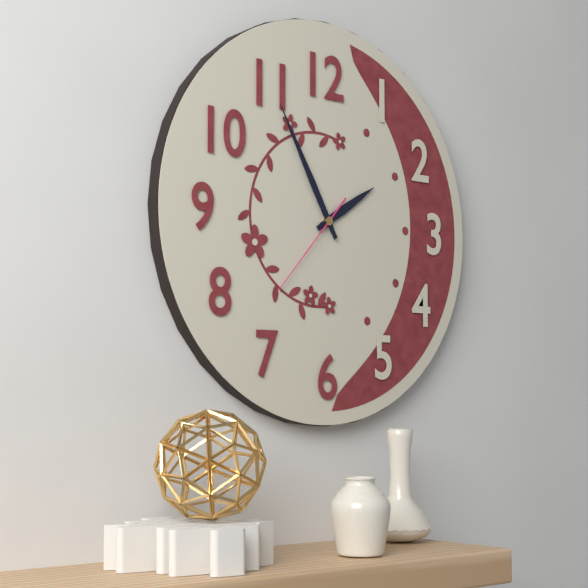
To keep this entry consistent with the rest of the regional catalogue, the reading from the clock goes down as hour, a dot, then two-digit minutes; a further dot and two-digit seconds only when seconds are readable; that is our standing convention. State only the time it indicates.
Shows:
1.55.37
